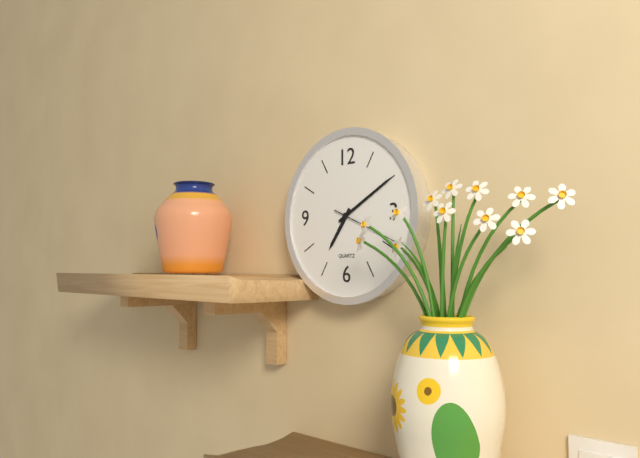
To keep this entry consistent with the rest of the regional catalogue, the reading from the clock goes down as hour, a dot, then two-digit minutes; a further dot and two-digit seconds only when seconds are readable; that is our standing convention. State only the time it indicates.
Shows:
7.10
